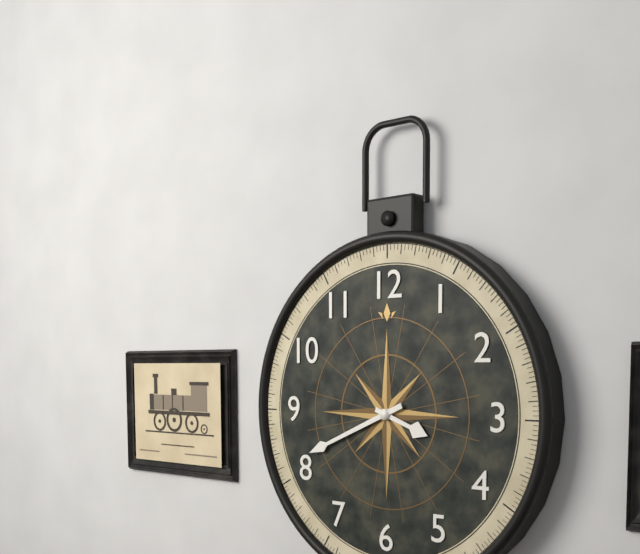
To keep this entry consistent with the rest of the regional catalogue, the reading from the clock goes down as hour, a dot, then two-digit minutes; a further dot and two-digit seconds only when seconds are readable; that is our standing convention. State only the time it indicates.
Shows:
3.41
